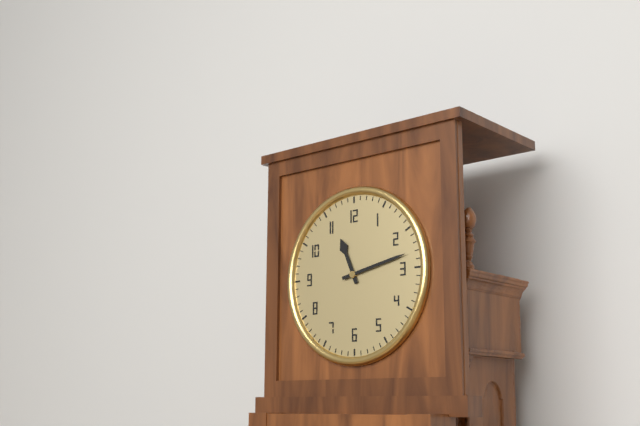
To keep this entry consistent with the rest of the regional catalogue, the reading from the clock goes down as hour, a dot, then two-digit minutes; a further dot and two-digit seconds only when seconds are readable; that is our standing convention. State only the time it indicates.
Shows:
11.13
